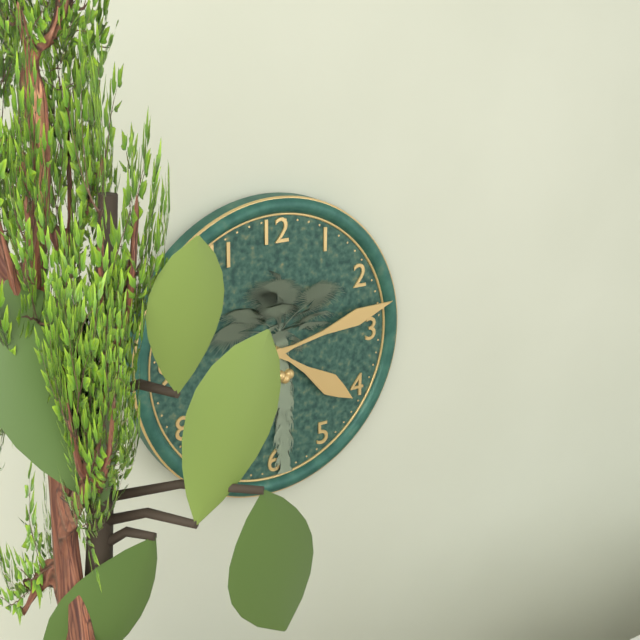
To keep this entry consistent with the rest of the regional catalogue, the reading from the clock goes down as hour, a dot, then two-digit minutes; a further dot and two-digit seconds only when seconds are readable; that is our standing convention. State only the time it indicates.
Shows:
4.13
